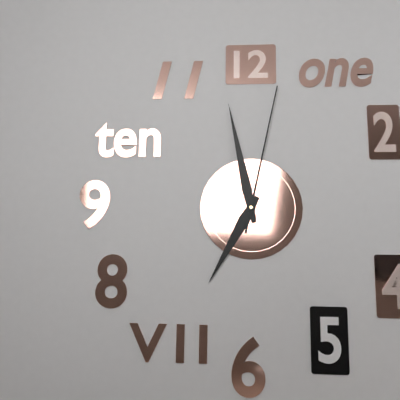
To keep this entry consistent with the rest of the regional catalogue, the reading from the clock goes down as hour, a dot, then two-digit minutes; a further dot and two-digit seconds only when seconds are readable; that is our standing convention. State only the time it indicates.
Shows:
6.58.02
